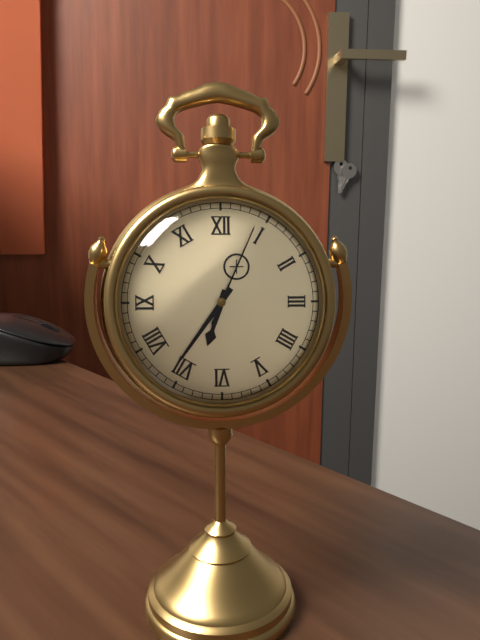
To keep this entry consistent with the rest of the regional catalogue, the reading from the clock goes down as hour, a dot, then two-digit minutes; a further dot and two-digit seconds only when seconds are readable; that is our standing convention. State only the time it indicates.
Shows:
6.36.04
